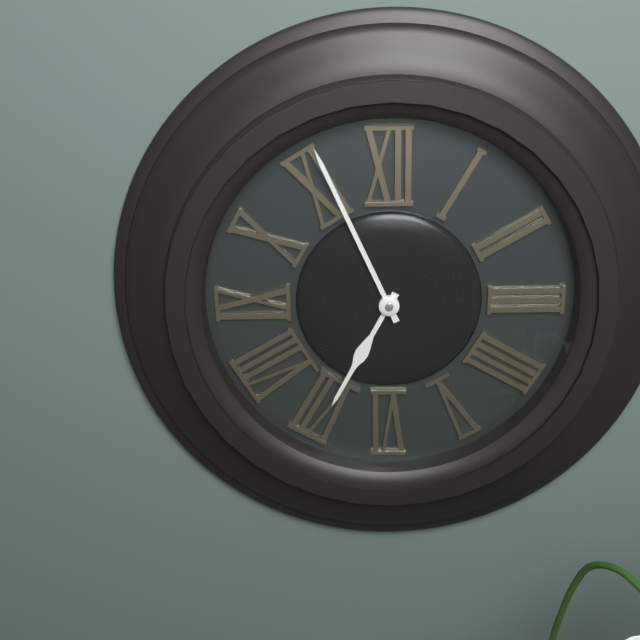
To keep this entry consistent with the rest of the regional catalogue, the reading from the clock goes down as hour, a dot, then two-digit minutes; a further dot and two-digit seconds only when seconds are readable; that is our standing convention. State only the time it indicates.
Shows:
6.56
